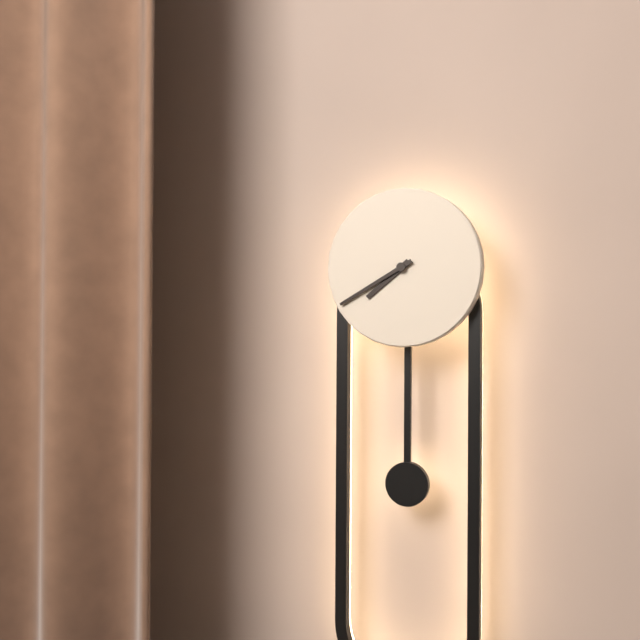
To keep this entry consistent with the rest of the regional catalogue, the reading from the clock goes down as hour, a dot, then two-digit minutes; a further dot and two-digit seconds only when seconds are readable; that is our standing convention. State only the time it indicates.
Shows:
7.40
